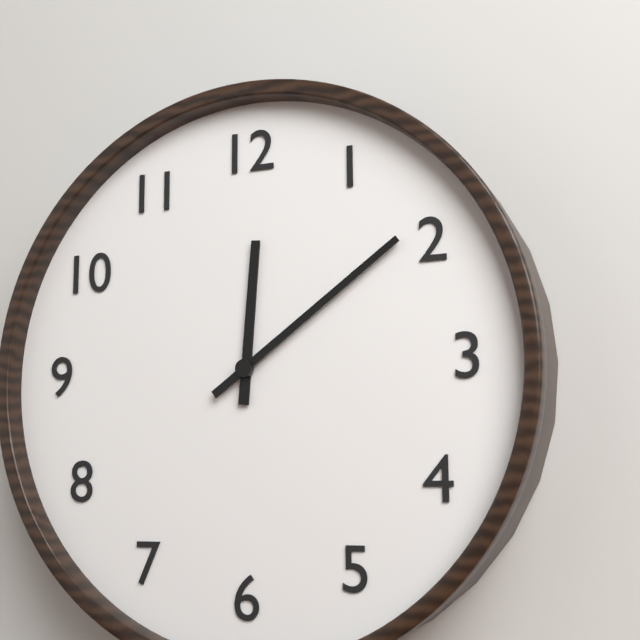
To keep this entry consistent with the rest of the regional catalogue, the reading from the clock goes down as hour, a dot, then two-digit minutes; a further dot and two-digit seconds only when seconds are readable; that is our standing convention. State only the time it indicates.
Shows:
12.09
